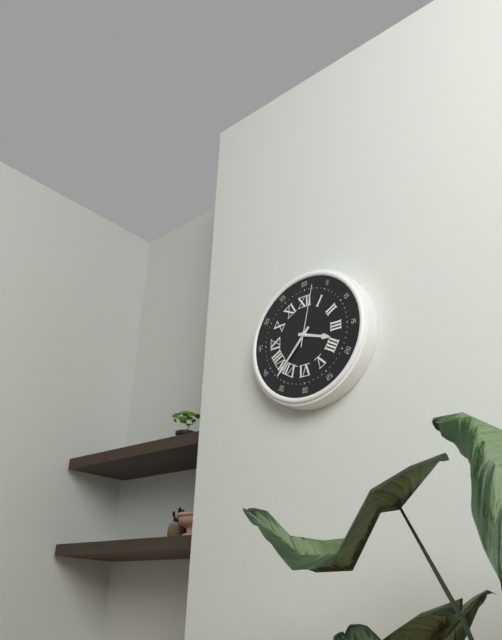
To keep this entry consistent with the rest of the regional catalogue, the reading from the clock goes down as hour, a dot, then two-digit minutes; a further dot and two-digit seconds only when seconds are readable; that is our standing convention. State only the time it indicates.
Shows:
3.37.02
